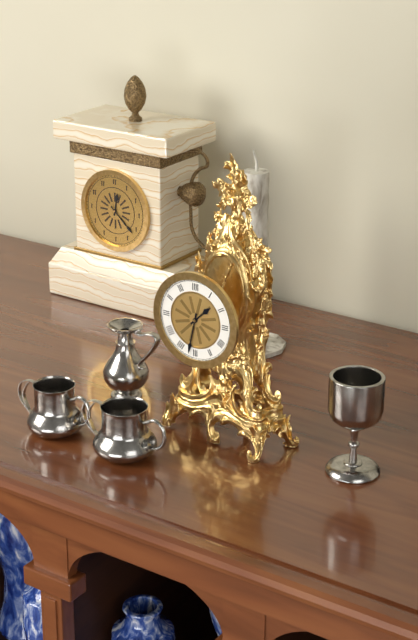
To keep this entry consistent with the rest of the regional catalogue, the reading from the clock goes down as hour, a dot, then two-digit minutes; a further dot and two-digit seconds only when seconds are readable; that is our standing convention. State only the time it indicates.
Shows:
1.32
